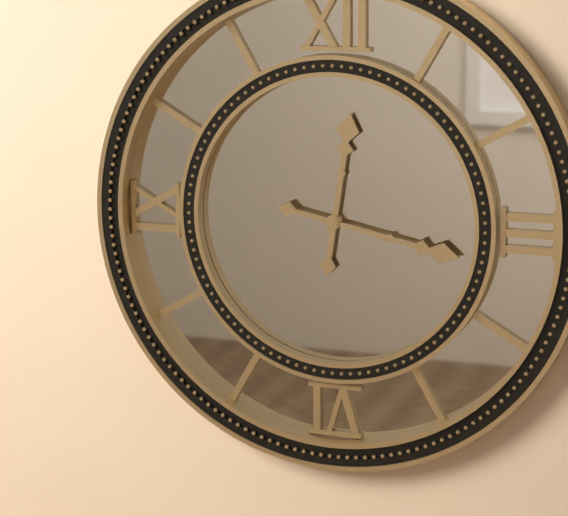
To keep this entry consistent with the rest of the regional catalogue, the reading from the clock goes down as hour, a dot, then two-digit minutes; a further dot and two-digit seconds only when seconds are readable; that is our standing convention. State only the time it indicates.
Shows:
12.17
